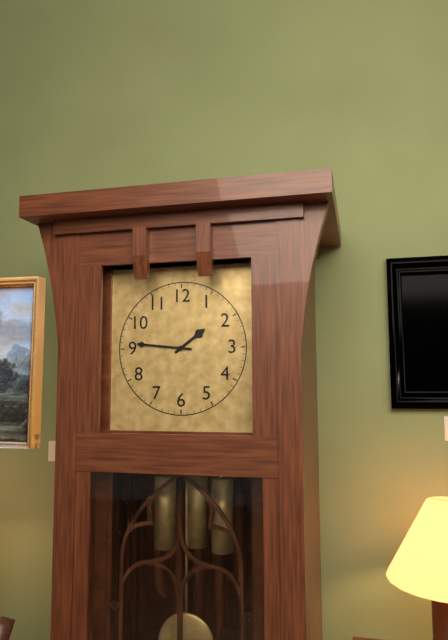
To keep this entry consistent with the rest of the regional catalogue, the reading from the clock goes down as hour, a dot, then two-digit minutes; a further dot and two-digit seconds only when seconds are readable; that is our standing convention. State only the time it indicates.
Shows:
1.46
